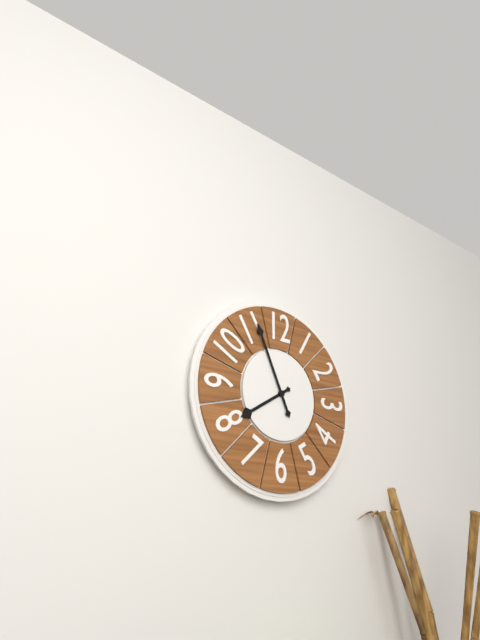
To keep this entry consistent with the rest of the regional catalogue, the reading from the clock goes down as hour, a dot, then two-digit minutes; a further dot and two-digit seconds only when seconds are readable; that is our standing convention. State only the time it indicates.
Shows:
7.56
